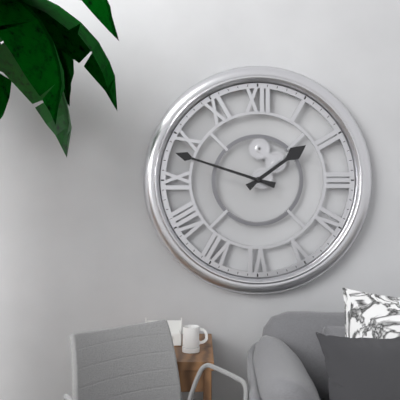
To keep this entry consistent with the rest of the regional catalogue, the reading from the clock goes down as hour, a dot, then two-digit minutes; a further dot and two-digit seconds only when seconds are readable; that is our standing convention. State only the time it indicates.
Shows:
1.48
